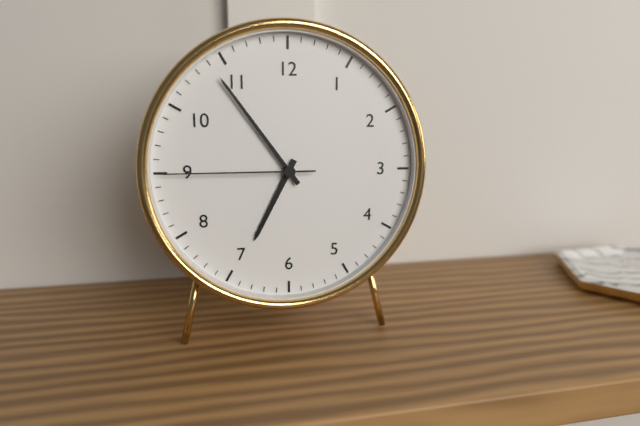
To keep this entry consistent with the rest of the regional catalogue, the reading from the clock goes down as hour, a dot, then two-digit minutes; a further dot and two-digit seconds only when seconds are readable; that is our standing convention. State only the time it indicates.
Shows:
6.54.45
